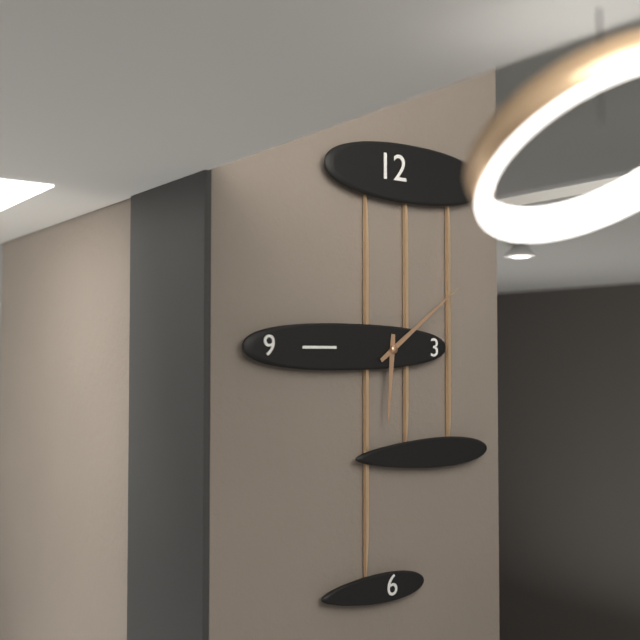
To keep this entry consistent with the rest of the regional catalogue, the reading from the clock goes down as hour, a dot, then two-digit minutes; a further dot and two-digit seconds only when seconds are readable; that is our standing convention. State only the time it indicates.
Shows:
6.09
